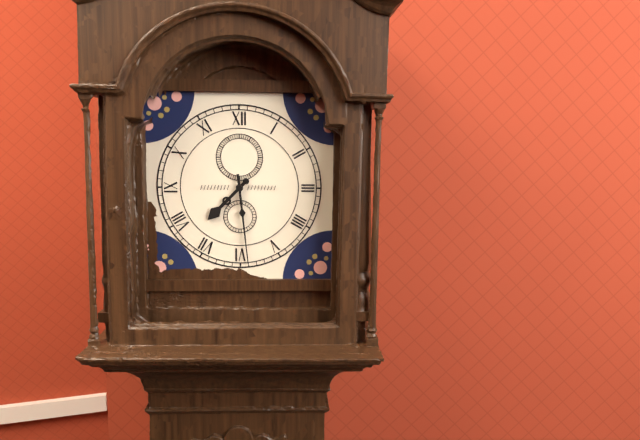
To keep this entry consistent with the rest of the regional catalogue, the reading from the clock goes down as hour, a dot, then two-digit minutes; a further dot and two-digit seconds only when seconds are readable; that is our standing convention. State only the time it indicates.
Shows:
7.29
